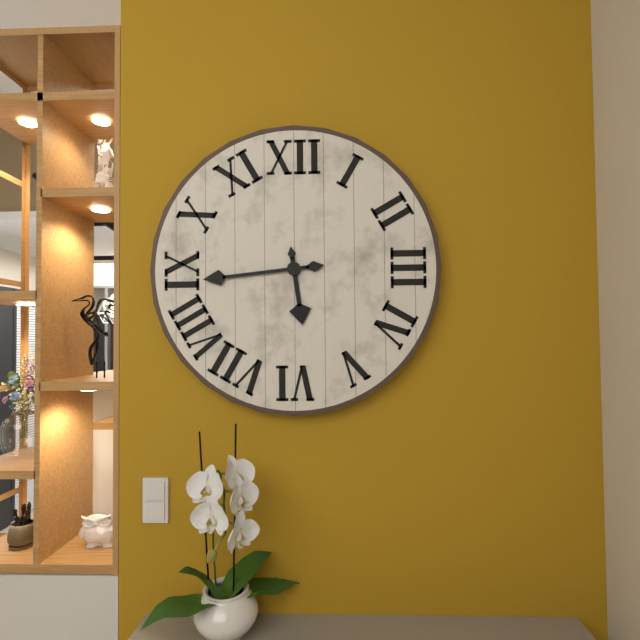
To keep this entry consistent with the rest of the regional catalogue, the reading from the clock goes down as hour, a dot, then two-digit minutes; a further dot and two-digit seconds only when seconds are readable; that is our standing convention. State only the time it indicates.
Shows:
5.44
